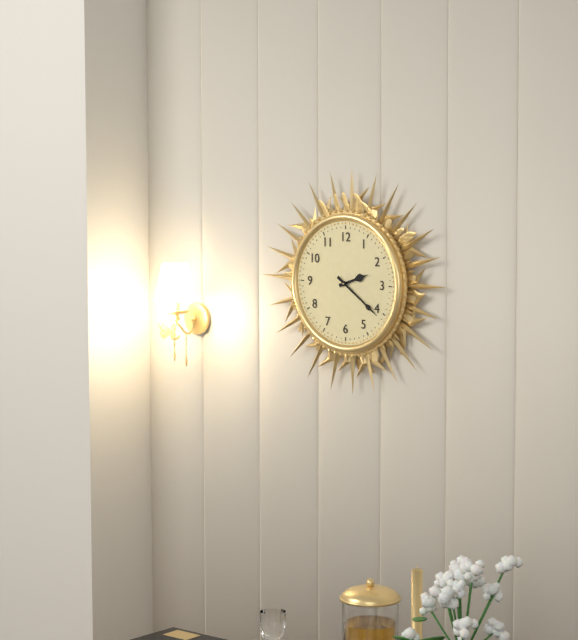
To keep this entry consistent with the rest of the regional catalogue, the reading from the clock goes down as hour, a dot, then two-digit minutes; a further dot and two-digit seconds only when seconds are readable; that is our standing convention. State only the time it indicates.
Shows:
2.21
